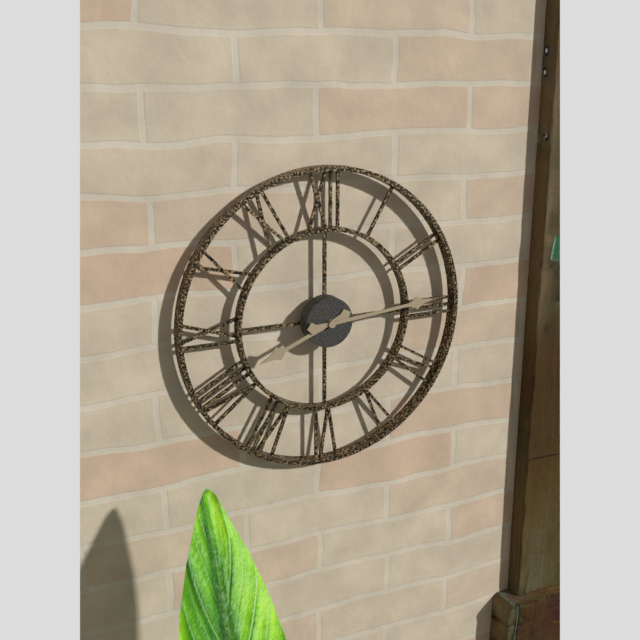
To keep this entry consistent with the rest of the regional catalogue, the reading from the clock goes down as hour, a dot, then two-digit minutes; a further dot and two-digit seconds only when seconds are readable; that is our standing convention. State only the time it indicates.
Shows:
8.14
